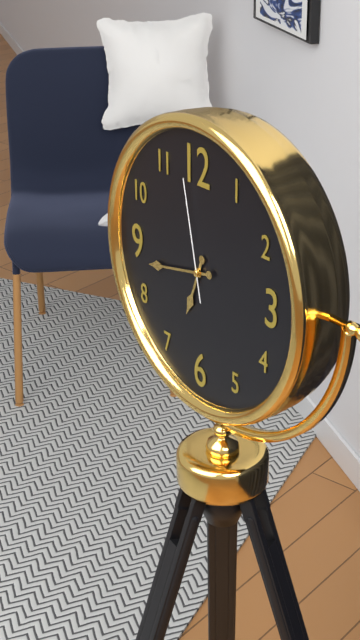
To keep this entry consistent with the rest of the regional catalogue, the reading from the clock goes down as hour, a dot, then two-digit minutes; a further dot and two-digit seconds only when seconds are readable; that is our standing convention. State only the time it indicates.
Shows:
6.43.58
